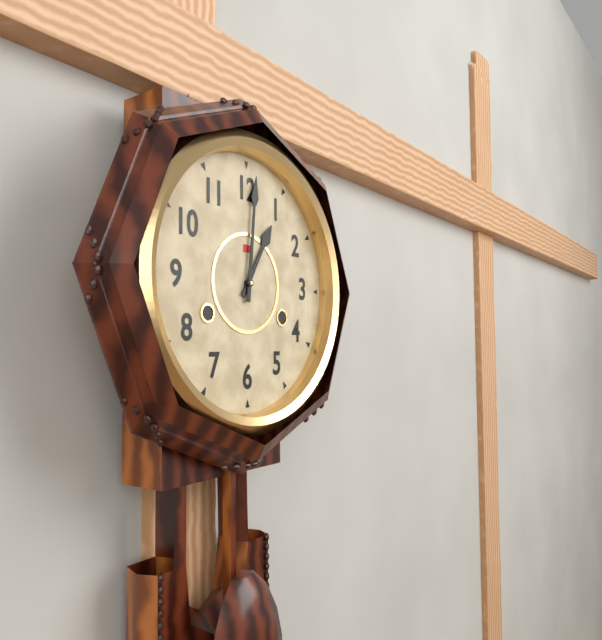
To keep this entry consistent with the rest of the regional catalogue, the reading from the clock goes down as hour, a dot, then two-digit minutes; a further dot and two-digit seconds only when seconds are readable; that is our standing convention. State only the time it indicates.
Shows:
1.01
